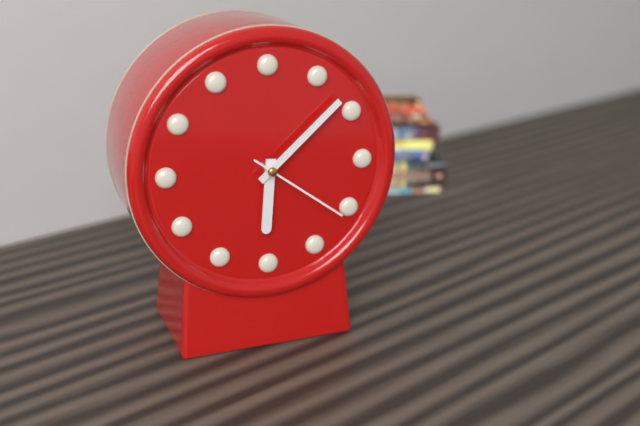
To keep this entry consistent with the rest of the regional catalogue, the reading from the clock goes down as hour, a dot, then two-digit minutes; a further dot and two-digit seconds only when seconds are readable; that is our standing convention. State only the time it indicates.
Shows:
6.08.21
